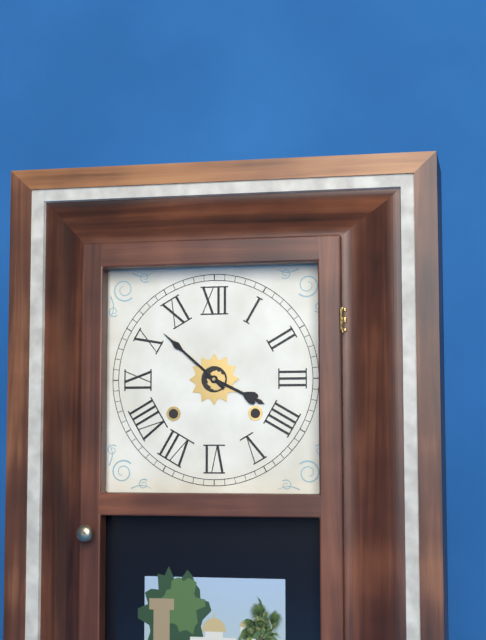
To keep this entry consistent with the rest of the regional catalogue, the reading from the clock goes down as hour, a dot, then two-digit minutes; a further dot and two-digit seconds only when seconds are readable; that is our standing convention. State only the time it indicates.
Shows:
3.52
